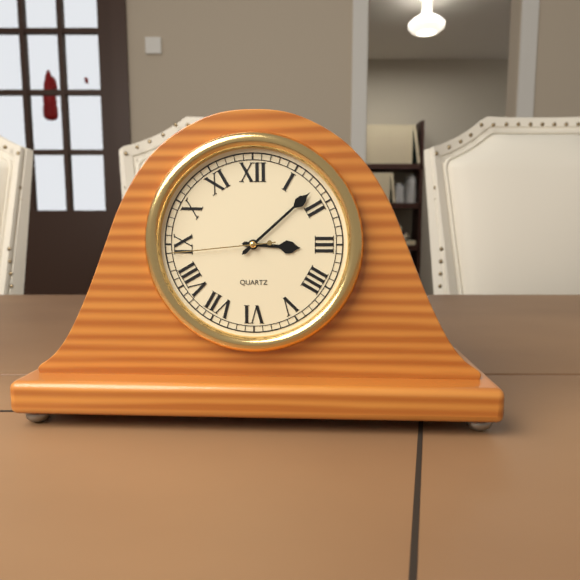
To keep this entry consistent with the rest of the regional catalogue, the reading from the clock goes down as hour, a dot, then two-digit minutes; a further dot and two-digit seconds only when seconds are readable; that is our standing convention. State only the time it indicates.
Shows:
3.08.44
